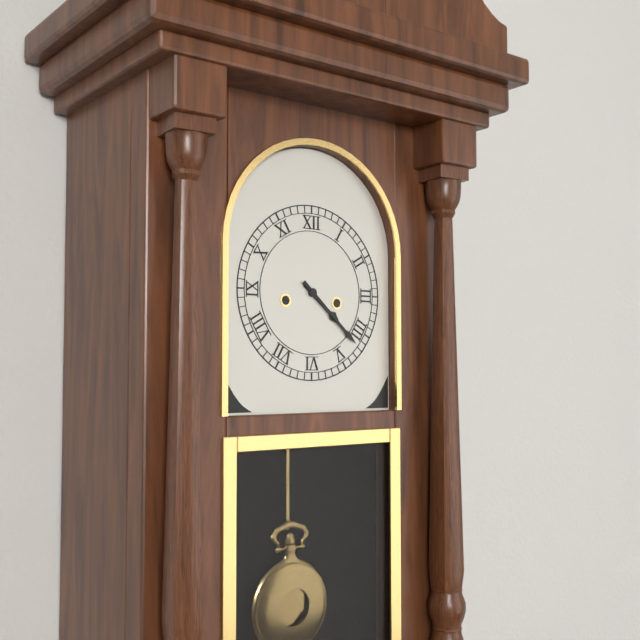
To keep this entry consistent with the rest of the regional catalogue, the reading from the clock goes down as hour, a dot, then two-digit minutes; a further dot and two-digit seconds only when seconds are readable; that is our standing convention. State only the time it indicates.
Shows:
4.22
